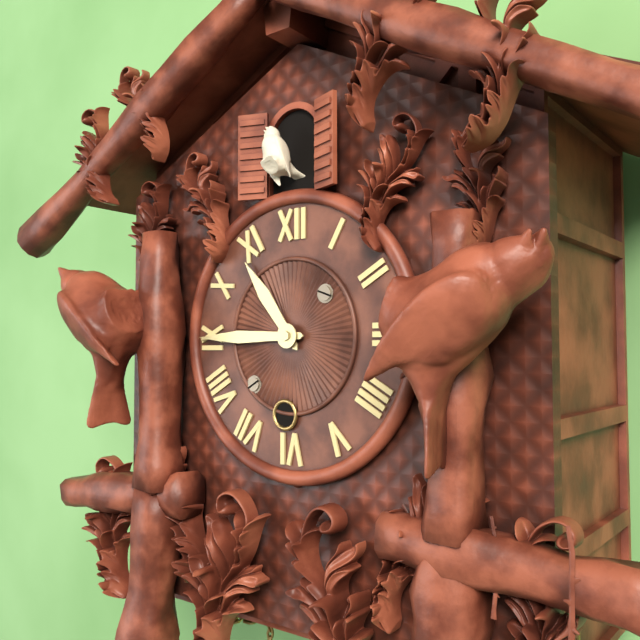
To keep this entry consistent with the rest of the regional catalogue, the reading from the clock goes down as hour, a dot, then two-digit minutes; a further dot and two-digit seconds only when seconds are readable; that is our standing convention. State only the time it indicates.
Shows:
10.45
